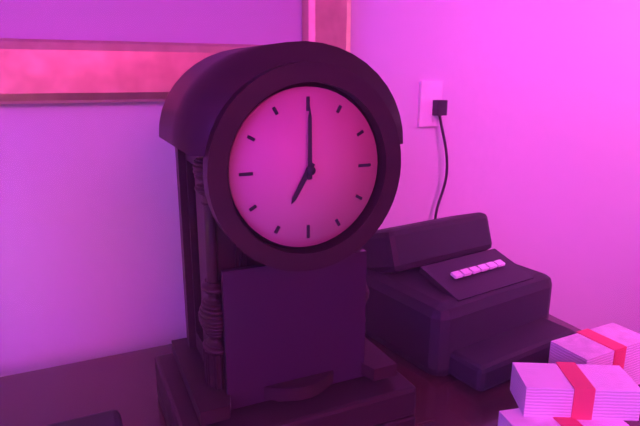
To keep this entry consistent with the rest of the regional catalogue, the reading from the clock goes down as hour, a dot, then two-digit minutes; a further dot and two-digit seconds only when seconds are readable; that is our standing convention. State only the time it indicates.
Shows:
7.00
